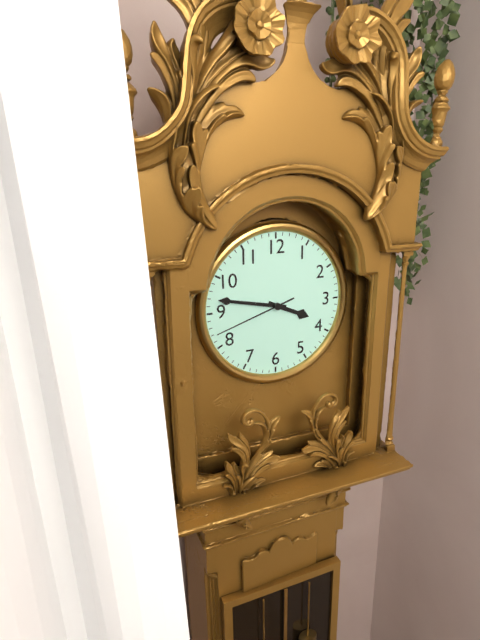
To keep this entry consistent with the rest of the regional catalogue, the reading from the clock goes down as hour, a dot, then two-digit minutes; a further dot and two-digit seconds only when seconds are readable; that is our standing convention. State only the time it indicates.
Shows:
3.47.42
